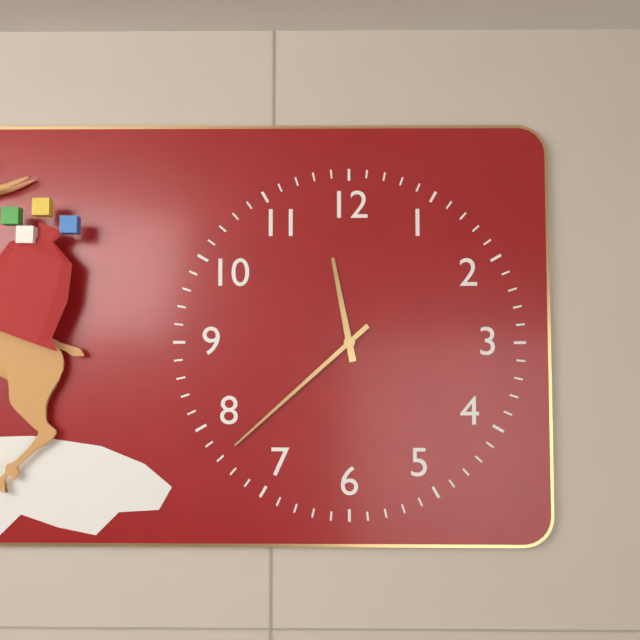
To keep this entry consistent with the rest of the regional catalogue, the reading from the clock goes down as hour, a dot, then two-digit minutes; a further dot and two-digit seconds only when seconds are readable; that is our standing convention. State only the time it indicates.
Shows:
11.38
